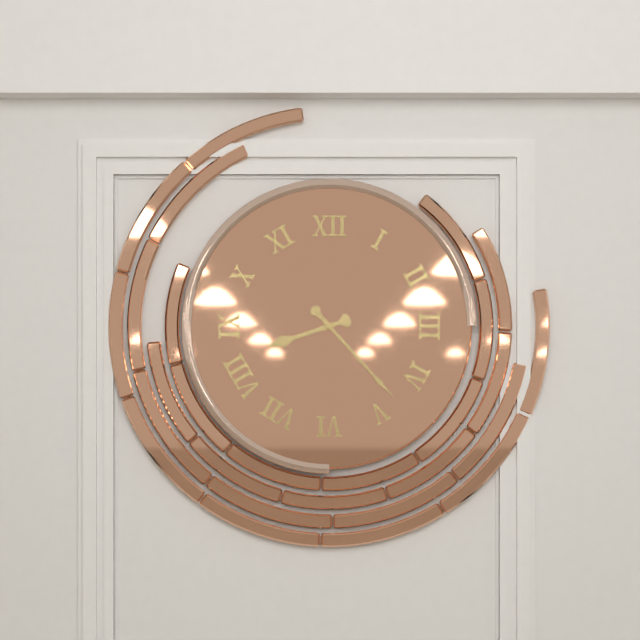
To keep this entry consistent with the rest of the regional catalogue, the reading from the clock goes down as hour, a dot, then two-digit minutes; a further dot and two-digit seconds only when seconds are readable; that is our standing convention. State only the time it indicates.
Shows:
8.23
